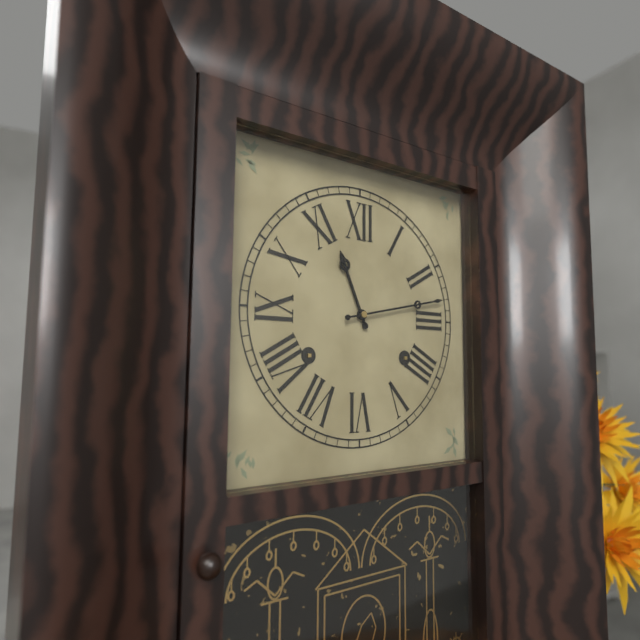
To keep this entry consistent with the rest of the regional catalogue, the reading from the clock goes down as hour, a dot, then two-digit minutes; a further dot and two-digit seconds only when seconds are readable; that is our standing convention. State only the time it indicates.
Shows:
11.13
